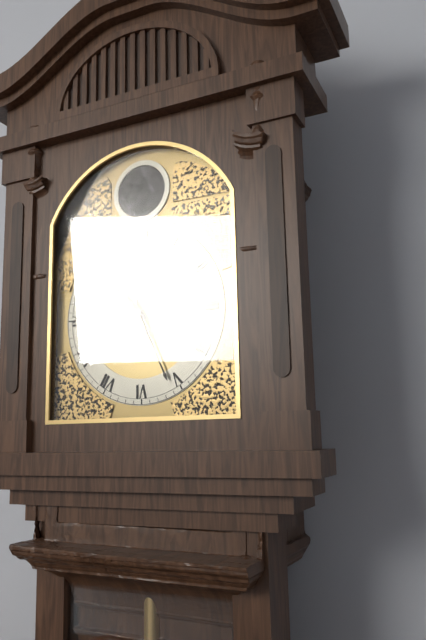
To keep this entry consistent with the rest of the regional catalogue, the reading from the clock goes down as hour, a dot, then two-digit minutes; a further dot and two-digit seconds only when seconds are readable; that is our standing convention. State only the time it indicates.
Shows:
10.26
